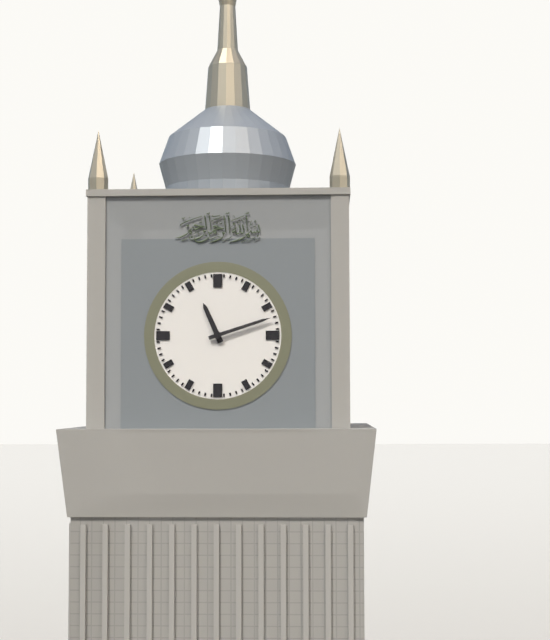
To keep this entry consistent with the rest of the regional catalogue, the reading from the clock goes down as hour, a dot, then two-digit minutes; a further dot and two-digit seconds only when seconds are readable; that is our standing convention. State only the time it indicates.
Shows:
11.12
